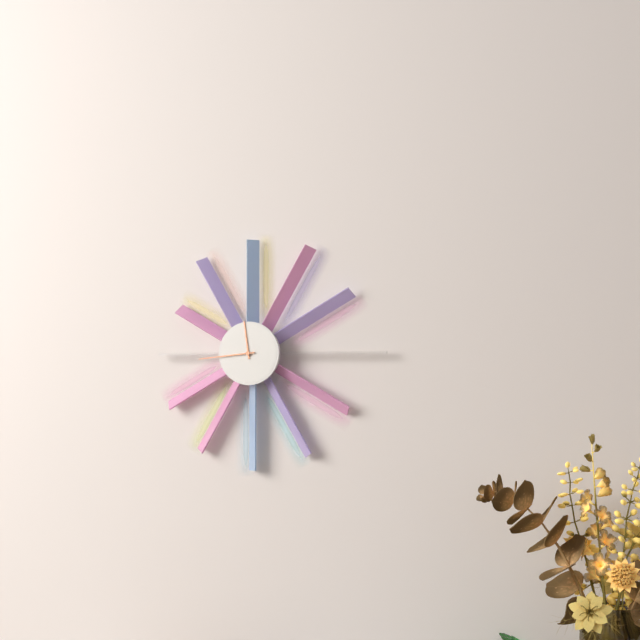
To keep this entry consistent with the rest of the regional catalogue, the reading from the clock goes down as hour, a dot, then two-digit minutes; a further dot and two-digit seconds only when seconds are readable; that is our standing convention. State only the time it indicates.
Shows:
11.44
